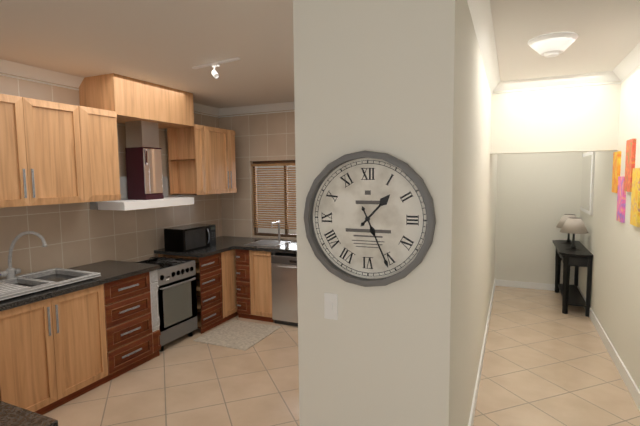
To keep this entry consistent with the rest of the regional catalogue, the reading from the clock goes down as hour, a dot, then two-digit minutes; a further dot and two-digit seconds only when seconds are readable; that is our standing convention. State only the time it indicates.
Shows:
1.26
